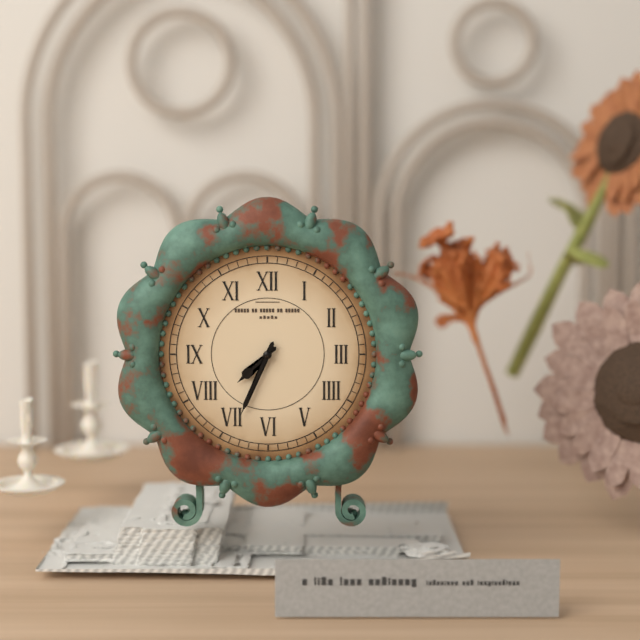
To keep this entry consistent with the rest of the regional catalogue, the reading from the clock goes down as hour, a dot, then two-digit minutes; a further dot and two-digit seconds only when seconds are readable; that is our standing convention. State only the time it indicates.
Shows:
7.34
